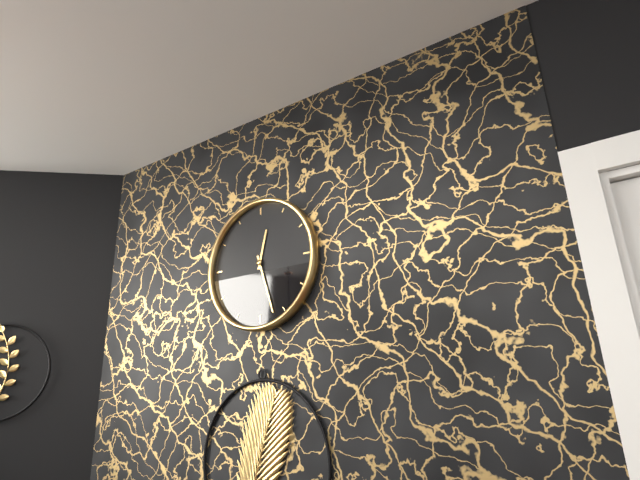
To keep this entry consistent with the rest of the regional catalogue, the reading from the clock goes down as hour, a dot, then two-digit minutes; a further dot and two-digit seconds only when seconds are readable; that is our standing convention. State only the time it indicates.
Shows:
12.27
